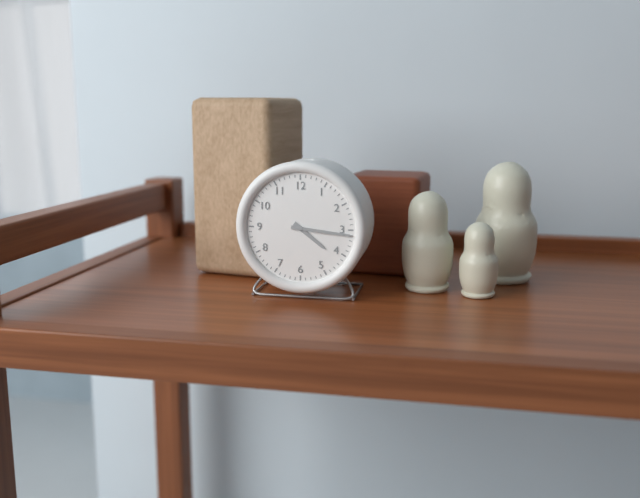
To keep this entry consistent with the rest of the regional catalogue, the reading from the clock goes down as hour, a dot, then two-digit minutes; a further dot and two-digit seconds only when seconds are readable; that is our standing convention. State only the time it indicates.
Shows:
4.16
